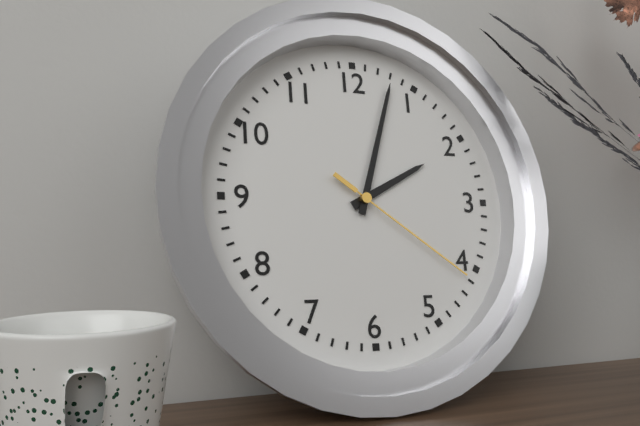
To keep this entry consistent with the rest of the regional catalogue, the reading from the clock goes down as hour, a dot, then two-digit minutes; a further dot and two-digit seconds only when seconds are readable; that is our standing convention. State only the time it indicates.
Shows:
2.03.21
